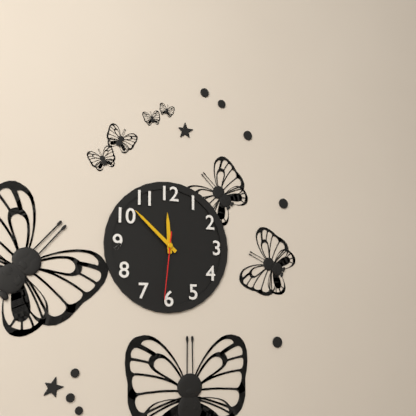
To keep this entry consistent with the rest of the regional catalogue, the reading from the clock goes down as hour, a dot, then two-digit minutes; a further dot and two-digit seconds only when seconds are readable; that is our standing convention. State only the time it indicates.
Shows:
11.52.31
